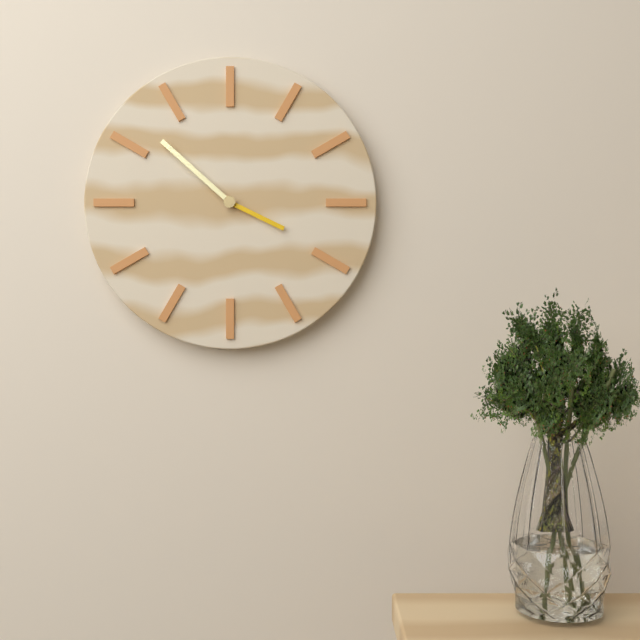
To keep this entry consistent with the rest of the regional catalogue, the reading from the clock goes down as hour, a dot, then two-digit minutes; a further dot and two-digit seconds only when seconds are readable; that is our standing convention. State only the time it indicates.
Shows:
3.52
